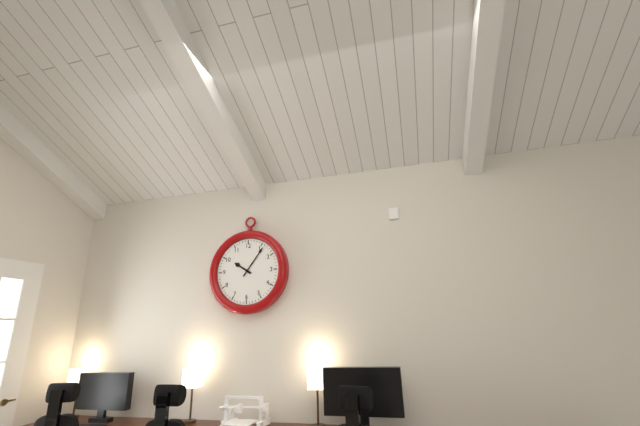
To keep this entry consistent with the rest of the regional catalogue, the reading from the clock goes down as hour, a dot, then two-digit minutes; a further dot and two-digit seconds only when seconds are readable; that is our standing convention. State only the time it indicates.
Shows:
10.06
